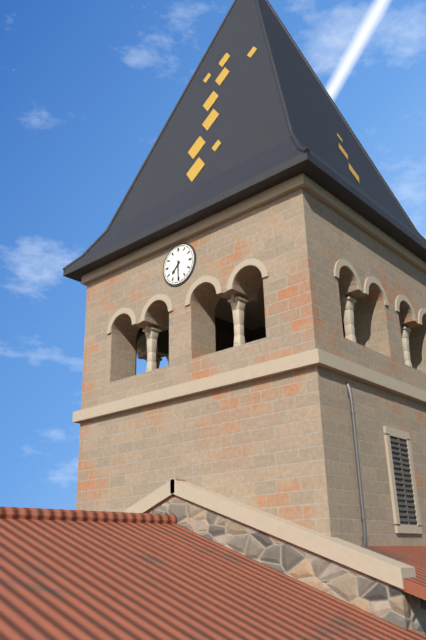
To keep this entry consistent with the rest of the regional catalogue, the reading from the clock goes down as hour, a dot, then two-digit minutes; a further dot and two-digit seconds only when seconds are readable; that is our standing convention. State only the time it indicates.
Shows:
7.30
